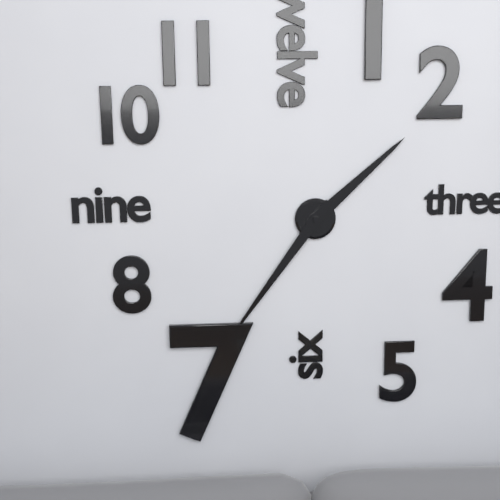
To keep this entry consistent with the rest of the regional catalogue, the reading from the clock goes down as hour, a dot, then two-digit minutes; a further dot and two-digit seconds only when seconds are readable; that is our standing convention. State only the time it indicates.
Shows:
1.36
